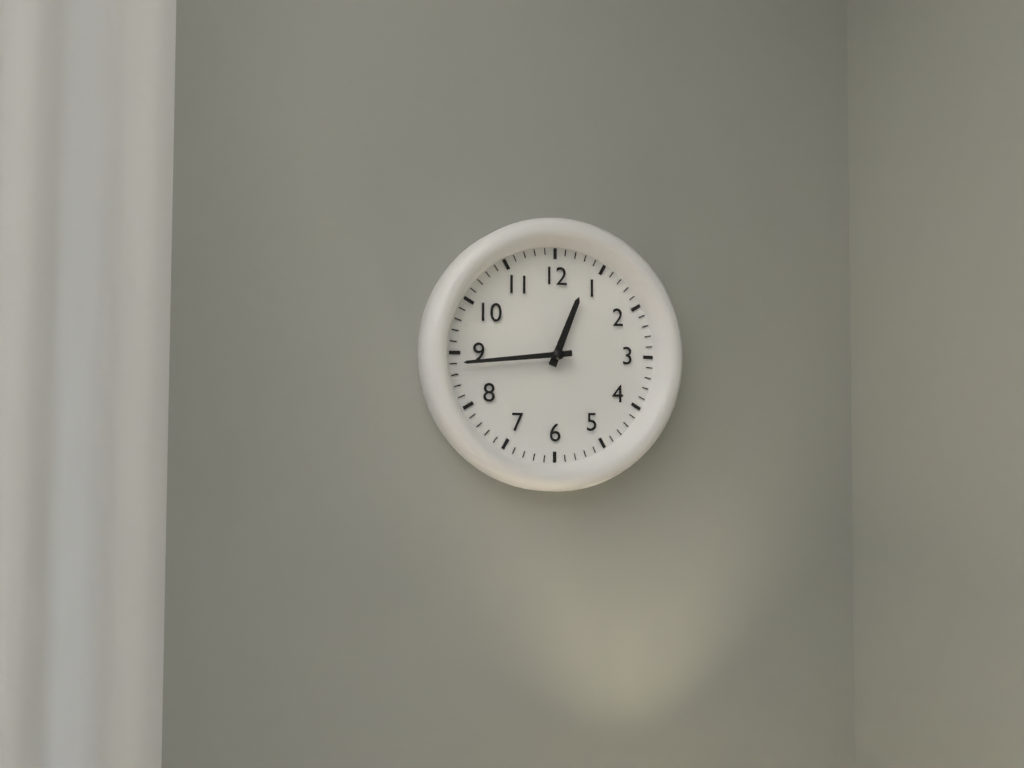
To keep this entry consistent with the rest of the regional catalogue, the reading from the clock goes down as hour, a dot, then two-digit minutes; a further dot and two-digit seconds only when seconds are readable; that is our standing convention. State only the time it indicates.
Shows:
12.44
